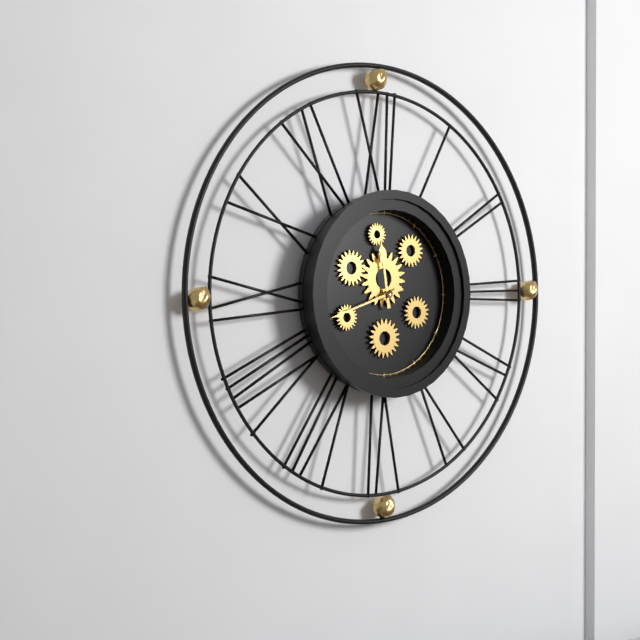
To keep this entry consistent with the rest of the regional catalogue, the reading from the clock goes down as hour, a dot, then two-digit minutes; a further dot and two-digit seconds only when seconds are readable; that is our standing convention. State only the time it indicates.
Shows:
11.42
